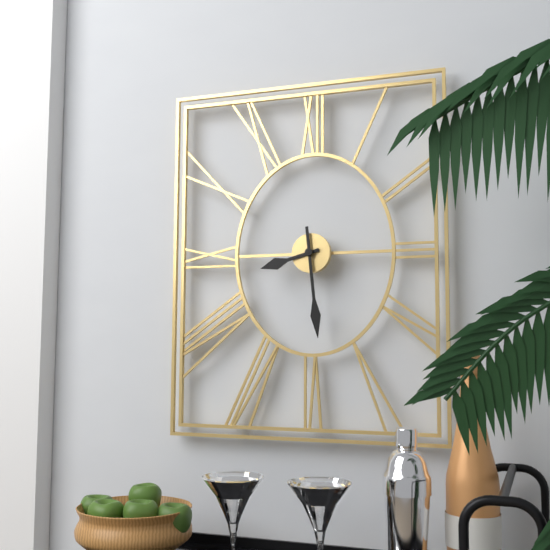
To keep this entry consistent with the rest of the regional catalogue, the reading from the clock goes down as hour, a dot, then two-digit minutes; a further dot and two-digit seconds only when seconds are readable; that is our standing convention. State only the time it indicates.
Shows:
8.29
